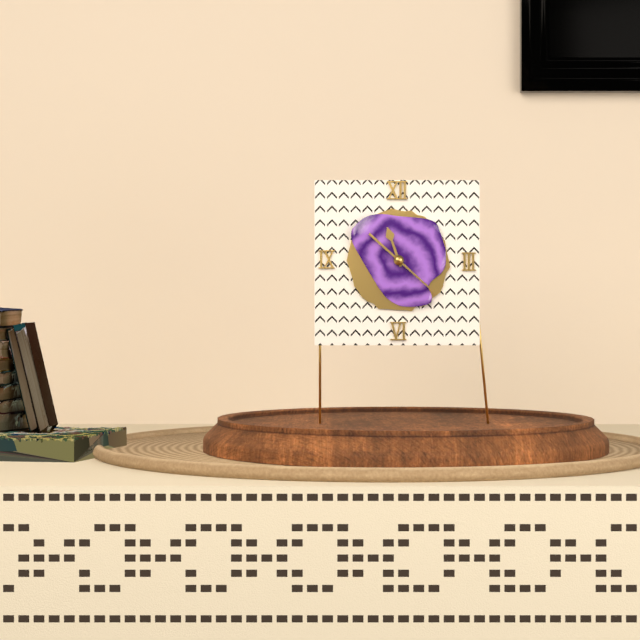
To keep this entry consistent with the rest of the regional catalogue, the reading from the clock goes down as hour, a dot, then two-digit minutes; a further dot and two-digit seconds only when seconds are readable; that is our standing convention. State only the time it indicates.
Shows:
11.22
